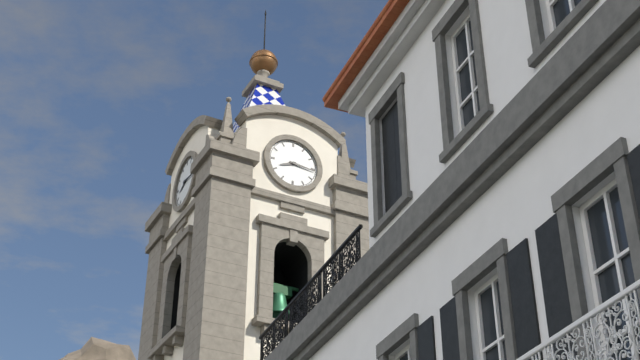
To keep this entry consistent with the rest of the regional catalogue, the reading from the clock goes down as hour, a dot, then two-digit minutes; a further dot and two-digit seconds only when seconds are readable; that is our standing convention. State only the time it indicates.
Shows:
8.16
